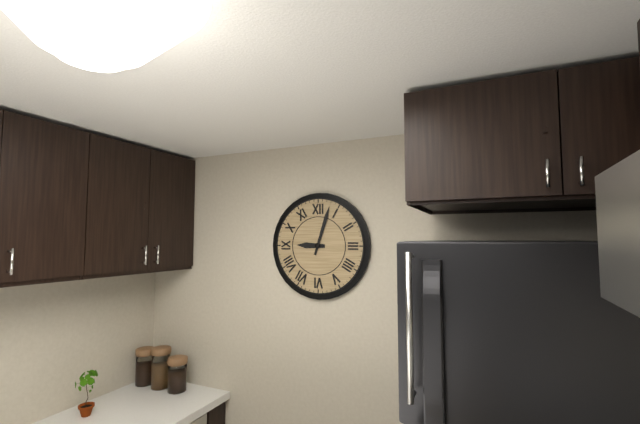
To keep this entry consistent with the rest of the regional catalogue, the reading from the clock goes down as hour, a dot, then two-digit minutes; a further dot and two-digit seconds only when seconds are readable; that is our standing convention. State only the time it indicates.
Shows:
9.03
